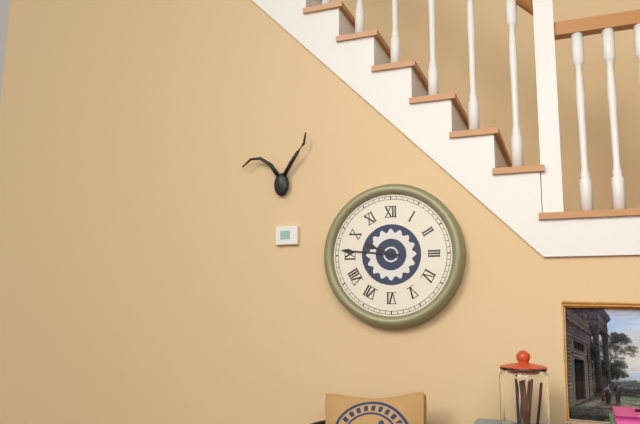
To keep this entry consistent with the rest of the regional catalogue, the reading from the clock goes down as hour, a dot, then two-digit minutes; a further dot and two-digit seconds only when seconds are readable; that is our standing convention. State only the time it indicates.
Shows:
9.46
